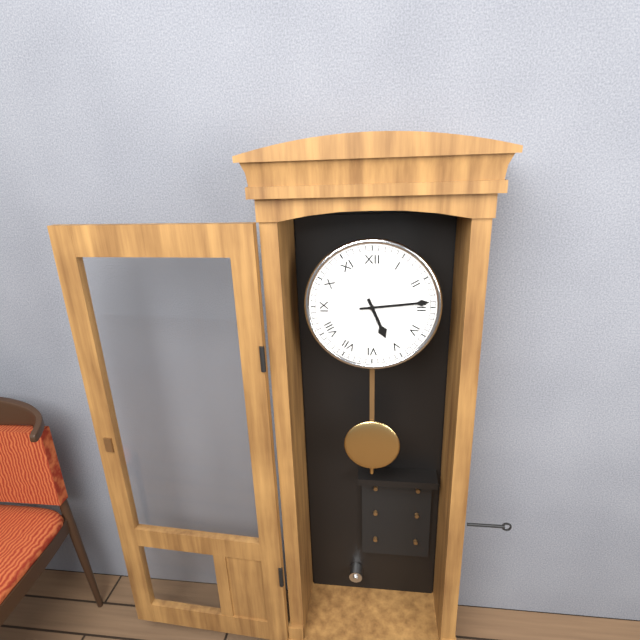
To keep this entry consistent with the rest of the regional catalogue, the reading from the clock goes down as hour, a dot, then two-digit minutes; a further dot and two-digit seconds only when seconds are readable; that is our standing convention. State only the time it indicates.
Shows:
5.14
